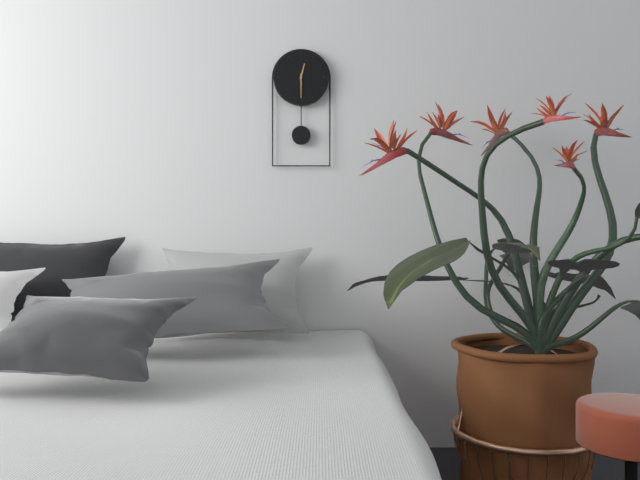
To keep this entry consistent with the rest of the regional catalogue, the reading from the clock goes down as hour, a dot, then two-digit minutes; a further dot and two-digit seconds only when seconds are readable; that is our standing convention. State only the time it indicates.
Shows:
12.30
